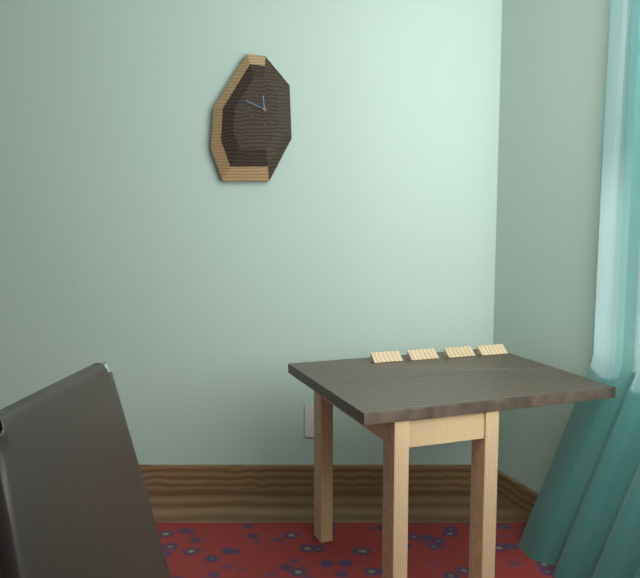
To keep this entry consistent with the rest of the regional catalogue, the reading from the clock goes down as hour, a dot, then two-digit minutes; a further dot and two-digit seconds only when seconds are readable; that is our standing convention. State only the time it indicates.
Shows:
11.49
